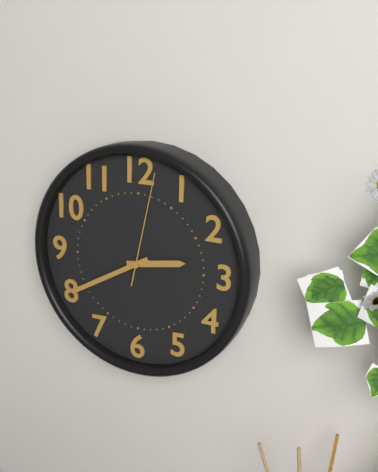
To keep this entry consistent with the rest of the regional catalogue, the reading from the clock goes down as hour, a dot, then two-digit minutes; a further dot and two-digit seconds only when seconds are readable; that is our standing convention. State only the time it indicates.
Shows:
2.40.02
